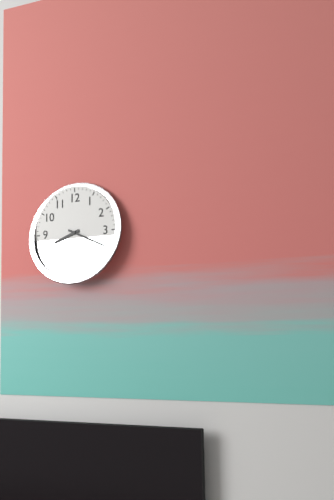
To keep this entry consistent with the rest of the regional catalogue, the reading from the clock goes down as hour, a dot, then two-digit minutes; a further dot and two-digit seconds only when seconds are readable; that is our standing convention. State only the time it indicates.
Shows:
8.19
